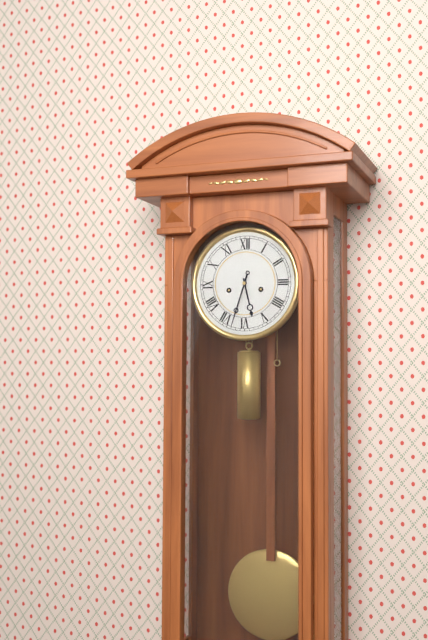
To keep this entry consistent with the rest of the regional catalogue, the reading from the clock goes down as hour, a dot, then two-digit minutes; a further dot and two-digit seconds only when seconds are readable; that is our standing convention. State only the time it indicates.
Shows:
5.33
